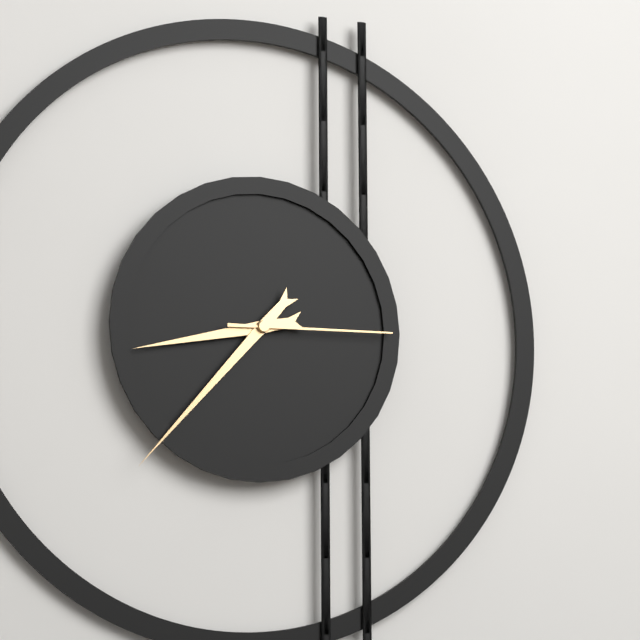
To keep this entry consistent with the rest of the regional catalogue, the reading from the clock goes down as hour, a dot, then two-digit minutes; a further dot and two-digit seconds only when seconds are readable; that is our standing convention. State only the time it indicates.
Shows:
8.37.15
